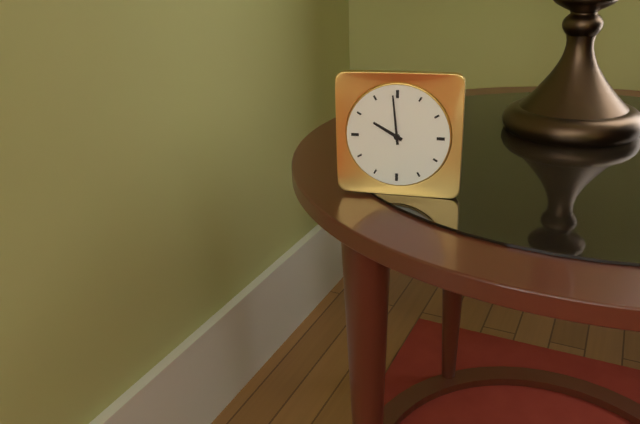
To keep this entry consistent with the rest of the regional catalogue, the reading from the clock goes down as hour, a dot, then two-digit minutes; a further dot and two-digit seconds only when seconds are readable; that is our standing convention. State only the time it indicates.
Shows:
9.59
